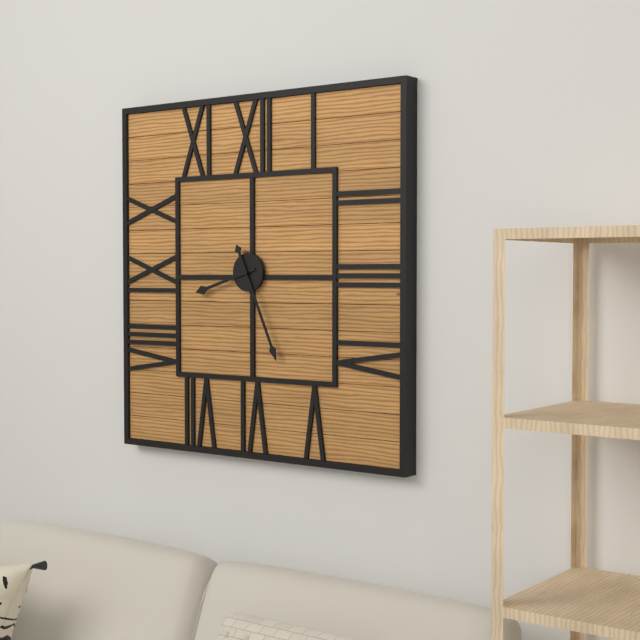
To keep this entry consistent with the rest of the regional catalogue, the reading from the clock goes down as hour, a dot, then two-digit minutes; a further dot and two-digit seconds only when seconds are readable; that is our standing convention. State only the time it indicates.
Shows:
8.26
